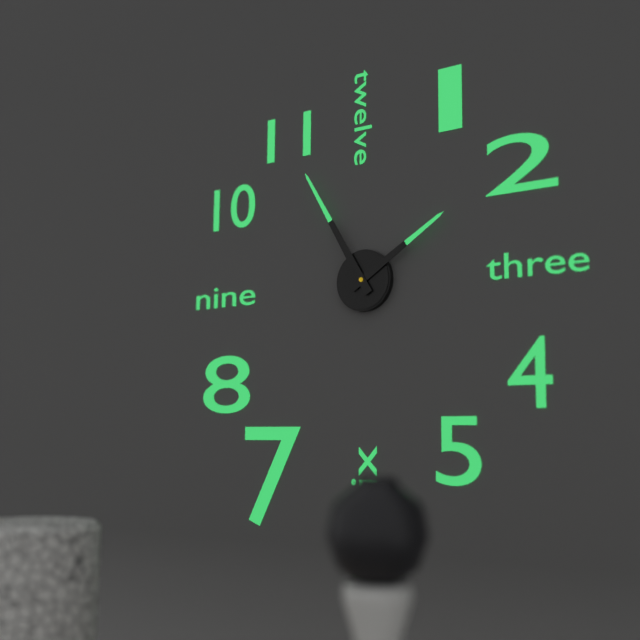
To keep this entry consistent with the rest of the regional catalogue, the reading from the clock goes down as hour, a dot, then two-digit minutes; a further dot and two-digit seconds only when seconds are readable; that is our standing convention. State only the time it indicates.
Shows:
1.55
